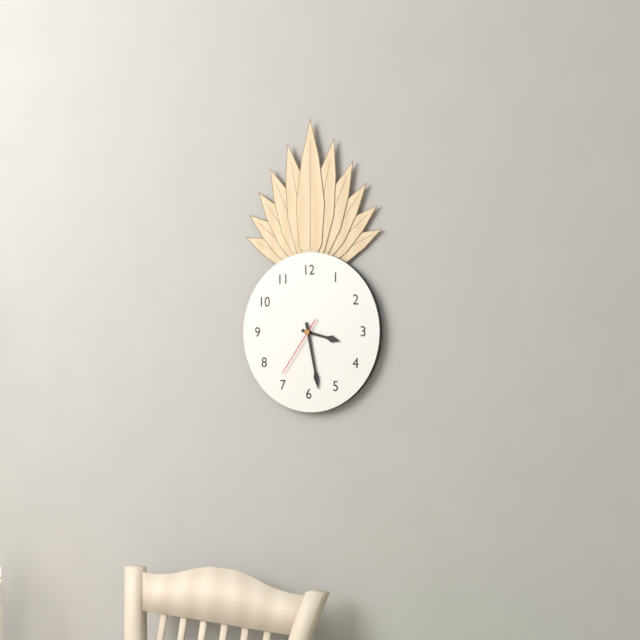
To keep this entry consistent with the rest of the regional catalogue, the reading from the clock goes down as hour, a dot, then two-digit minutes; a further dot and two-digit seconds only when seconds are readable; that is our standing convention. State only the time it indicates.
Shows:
3.28.36
